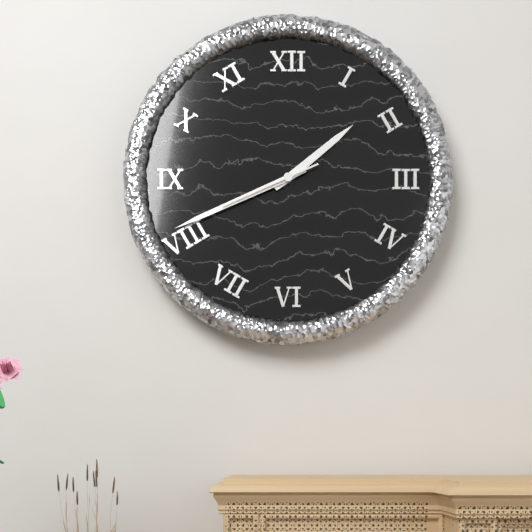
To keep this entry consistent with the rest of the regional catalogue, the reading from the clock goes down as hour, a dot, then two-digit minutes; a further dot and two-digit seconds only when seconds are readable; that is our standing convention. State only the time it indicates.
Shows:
1.41.41
